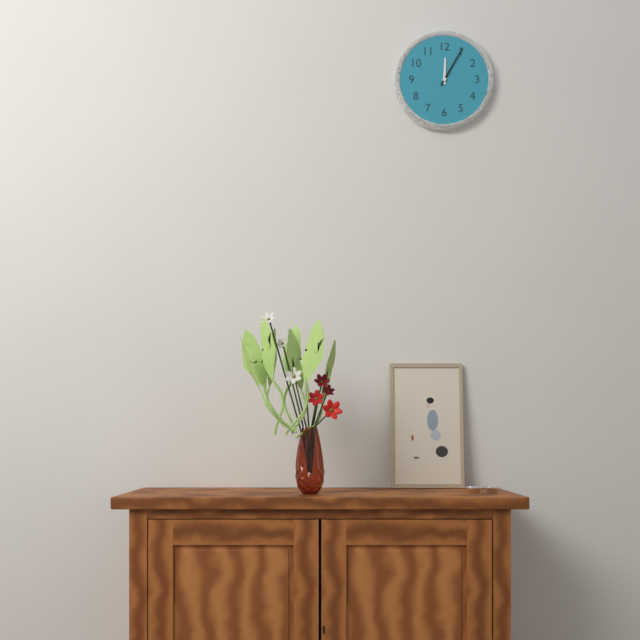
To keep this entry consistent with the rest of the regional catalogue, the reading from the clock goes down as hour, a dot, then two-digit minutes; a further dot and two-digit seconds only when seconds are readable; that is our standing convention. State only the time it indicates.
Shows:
12.05
